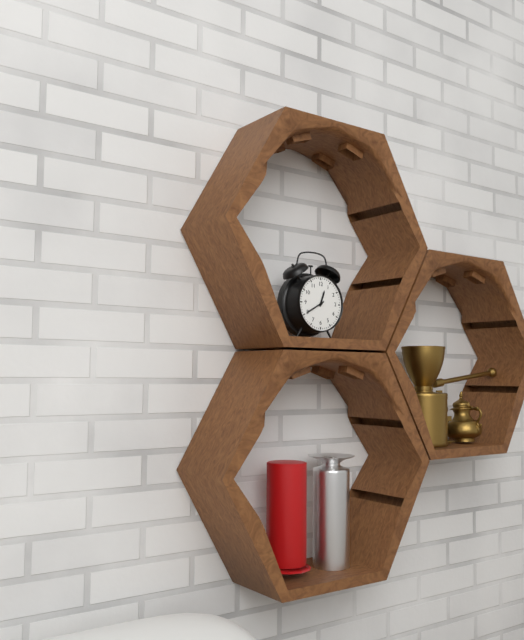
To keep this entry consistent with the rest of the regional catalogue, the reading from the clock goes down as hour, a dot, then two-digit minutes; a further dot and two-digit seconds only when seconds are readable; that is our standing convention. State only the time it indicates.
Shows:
12.40
